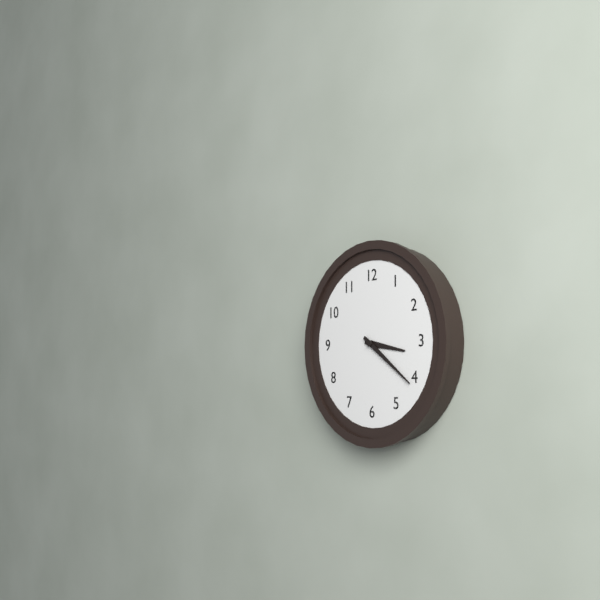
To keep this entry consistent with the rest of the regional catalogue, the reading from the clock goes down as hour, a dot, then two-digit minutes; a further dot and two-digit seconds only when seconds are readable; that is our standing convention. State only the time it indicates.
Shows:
3.21
